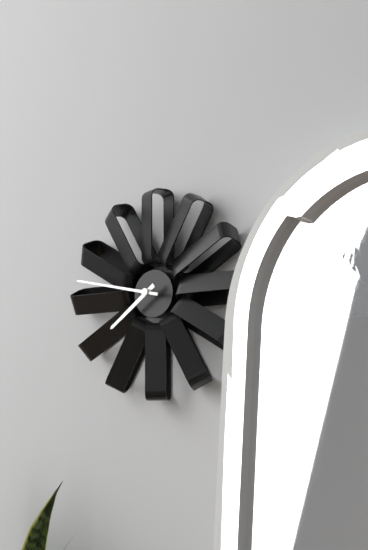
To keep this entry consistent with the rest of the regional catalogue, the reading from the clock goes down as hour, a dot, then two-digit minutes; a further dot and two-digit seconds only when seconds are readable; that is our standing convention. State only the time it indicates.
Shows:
7.47
